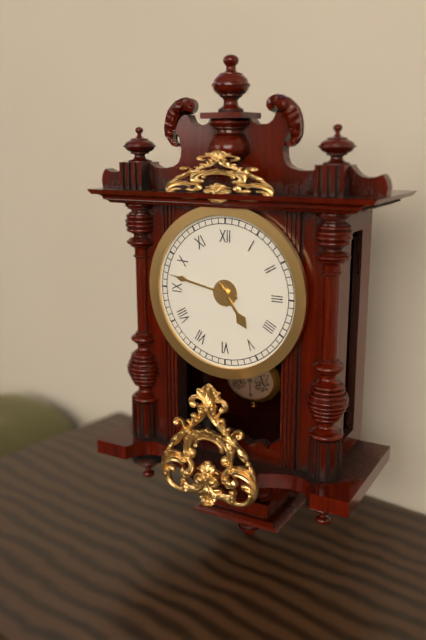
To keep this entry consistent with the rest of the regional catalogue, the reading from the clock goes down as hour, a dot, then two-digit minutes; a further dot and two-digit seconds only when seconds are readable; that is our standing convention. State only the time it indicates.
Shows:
4.47
